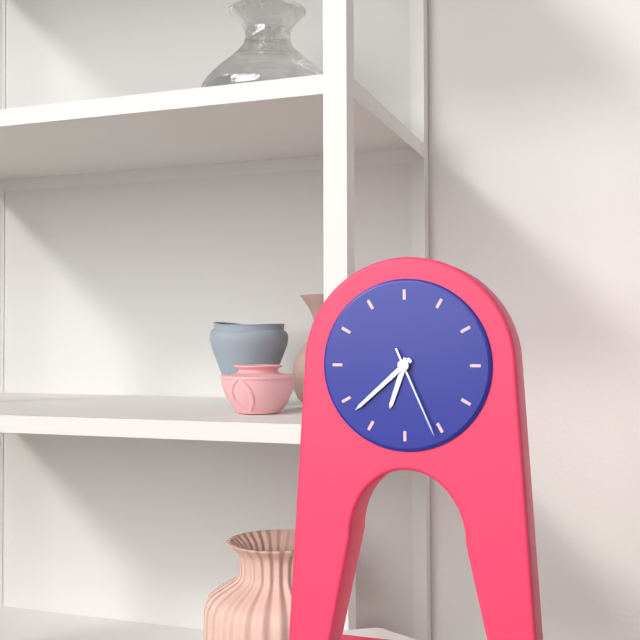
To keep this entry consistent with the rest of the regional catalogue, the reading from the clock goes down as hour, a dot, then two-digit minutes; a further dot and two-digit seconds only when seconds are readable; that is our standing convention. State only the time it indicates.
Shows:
6.38.26
